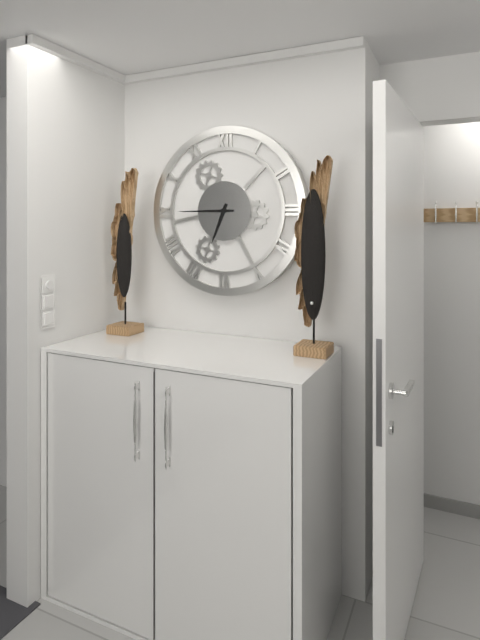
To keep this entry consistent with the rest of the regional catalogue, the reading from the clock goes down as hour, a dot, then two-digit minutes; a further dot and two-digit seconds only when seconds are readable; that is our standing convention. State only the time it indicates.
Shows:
6.45
